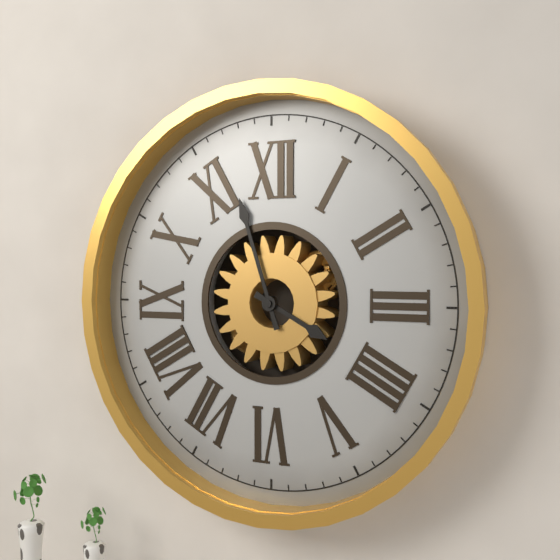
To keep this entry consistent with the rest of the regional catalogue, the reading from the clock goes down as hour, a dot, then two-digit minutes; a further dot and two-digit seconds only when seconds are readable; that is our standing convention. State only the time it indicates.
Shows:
3.57
